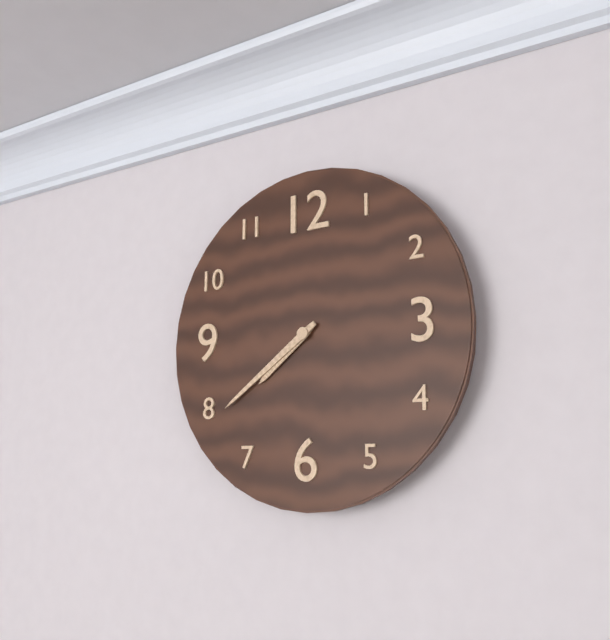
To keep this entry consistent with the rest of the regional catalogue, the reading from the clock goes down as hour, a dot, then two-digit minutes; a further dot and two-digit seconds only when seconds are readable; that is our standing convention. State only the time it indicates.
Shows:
7.39
